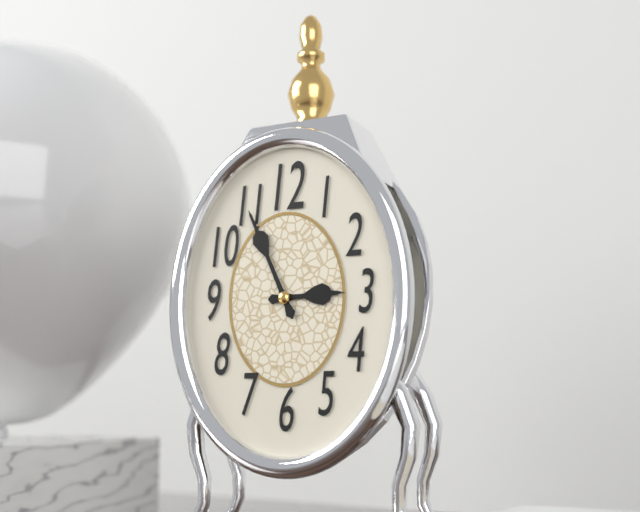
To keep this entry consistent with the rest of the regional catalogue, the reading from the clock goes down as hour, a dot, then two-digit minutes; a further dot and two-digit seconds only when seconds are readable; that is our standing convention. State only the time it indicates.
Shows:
2.56
